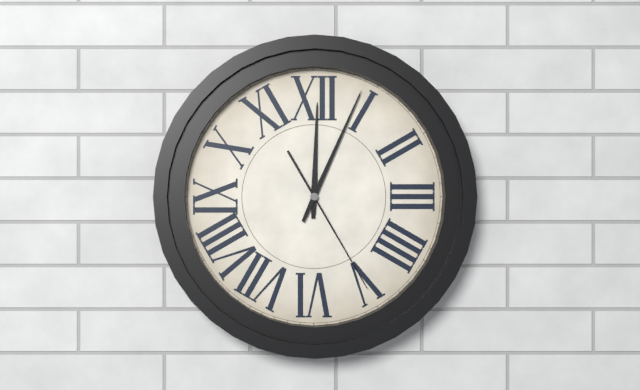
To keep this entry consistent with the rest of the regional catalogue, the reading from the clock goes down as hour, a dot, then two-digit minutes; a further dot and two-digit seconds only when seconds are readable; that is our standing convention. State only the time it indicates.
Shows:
12.04.25
